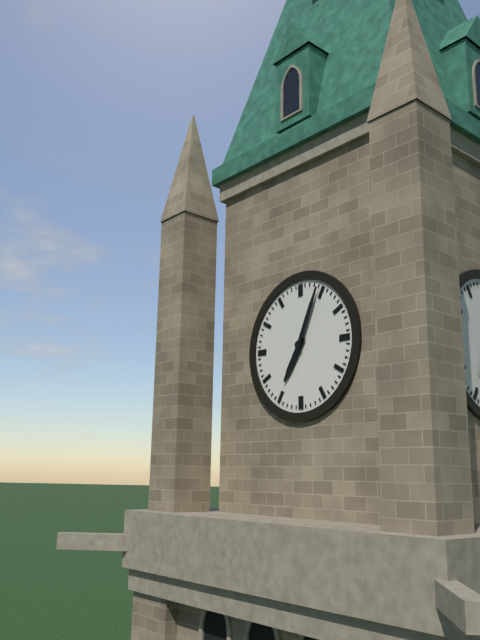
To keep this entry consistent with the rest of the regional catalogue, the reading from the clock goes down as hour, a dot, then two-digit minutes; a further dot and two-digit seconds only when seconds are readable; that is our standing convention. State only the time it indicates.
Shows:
7.04
